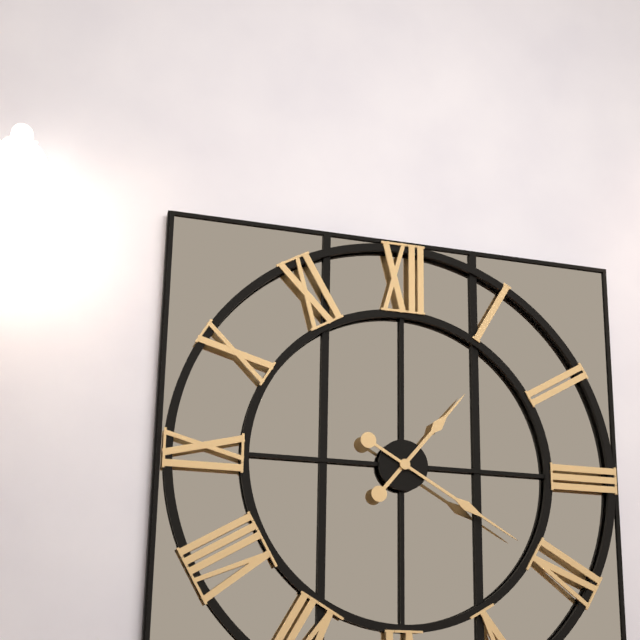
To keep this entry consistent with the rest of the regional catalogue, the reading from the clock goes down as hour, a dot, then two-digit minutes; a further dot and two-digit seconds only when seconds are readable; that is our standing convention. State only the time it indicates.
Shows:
1.20
